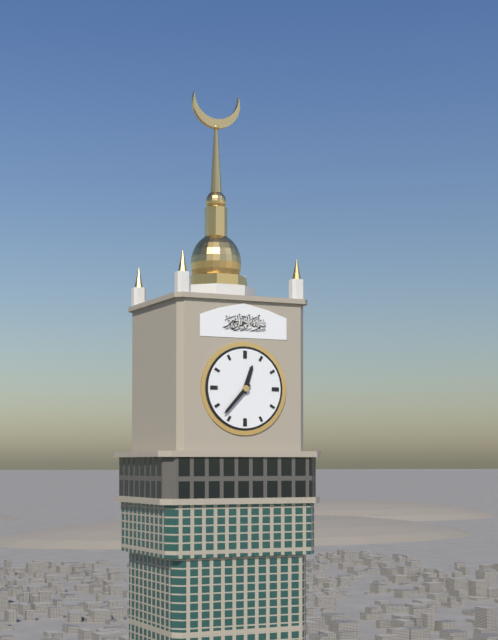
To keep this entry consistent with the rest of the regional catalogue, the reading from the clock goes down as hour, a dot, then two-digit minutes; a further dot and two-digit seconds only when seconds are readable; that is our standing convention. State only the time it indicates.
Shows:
12.37
